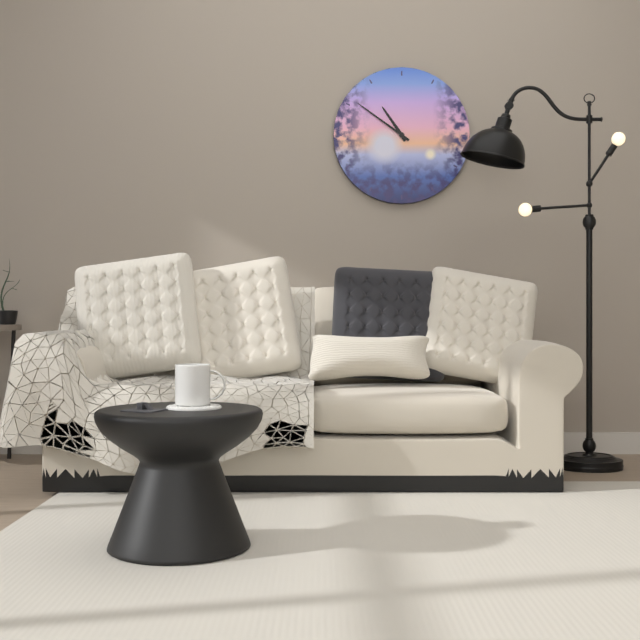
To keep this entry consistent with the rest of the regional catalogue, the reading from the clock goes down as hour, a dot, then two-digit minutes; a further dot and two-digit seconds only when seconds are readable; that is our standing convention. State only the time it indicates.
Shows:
10.51
